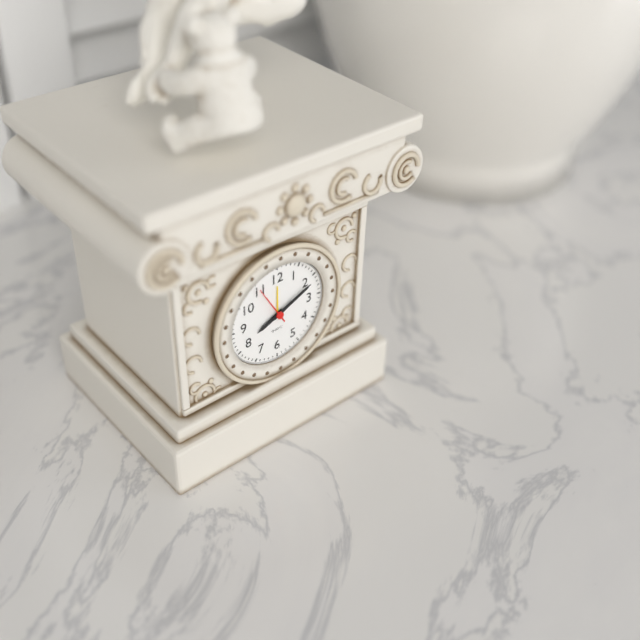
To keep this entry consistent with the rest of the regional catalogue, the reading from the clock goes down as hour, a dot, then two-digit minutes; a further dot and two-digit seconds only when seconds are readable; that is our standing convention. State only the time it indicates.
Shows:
8.11
